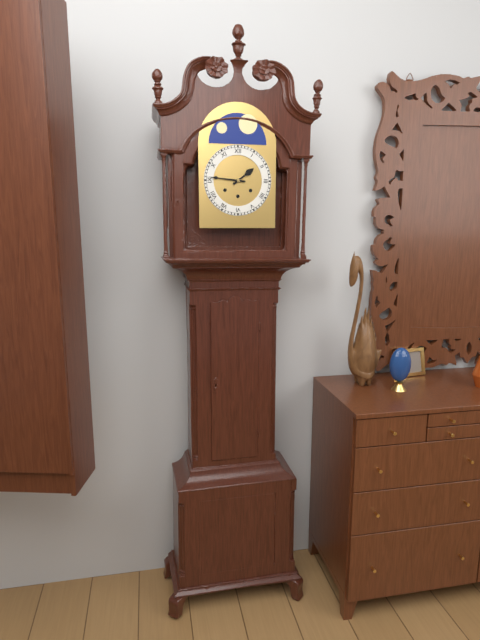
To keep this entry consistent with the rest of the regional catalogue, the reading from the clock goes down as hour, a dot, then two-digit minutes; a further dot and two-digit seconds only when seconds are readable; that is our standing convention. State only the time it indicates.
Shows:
1.46
